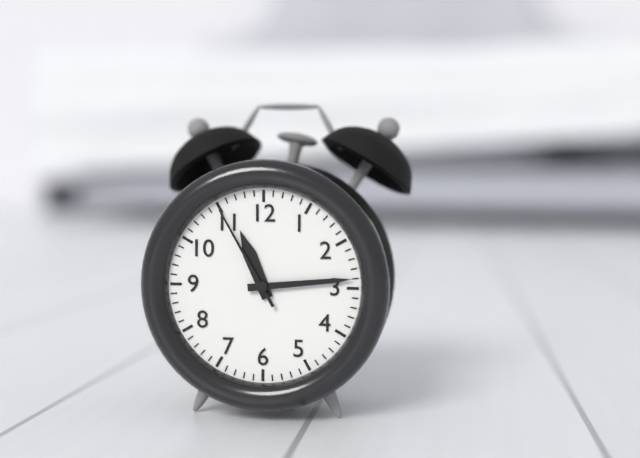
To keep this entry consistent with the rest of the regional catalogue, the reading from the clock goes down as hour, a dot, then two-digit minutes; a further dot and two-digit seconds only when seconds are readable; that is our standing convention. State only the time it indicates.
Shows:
11.14.55
